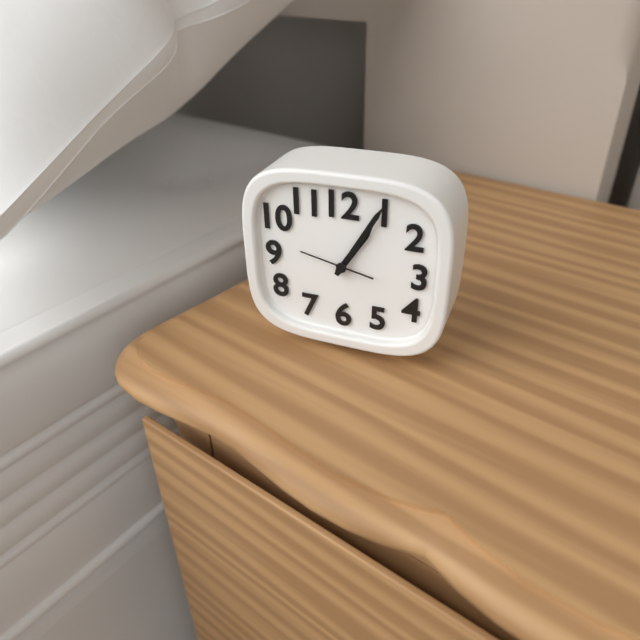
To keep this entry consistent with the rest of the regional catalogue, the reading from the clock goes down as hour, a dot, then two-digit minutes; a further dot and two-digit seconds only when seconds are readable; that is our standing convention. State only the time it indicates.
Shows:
1.05.47
